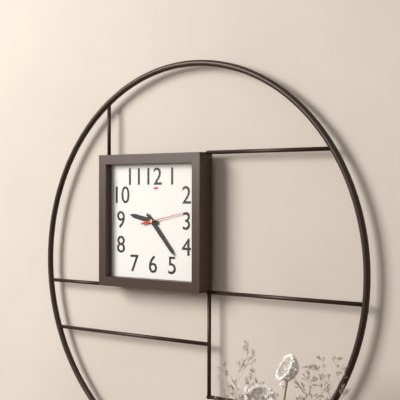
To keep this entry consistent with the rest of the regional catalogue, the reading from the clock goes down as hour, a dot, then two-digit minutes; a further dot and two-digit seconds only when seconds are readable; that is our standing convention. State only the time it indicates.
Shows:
9.23
